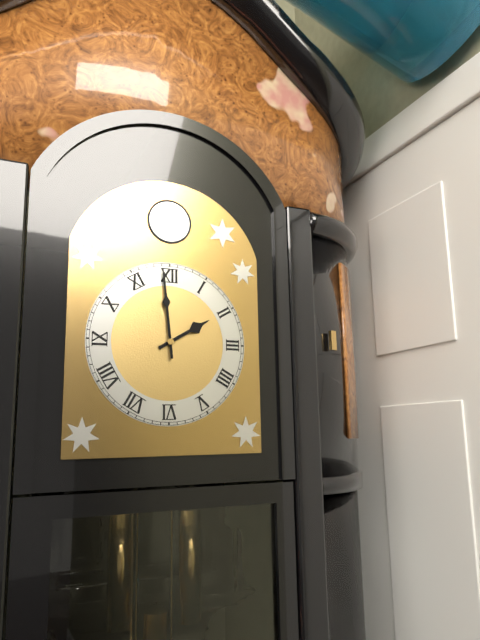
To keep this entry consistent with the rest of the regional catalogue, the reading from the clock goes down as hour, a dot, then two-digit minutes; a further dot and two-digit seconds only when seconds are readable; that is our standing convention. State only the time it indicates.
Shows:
1.59
